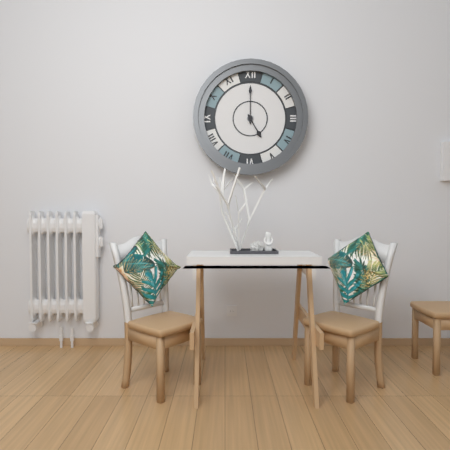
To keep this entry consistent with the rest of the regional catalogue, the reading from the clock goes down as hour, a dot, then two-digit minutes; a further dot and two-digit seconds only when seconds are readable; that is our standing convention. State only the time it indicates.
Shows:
5.00
